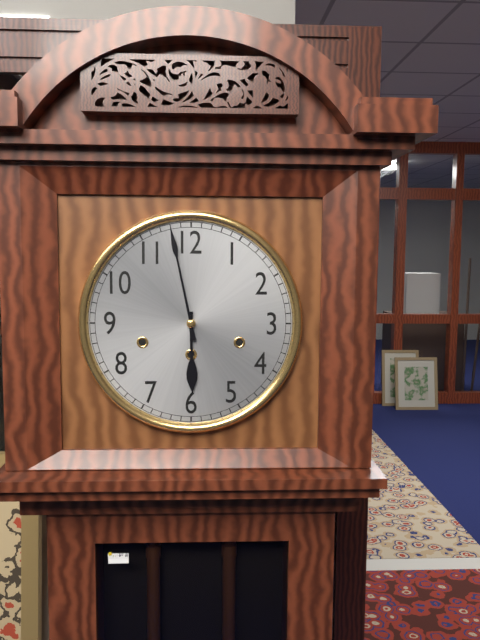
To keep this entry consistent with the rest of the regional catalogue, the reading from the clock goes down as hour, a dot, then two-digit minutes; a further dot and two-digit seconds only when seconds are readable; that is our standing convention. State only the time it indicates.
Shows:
5.58
